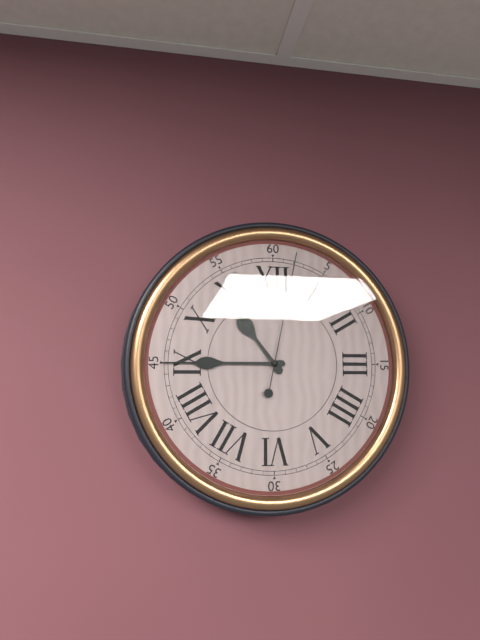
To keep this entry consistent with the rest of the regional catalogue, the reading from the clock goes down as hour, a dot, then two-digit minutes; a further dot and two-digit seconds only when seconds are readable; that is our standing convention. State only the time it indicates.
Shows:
10.45.02
